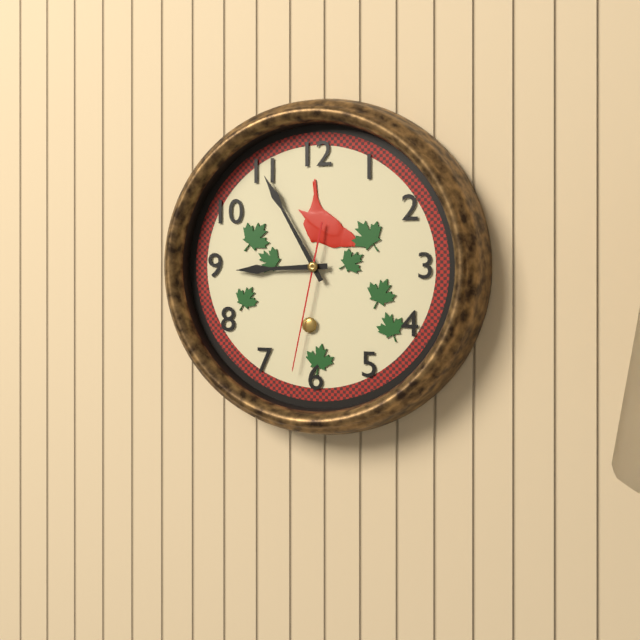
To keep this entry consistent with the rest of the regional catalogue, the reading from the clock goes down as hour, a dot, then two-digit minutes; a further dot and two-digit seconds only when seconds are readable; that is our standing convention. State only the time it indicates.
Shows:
8.55.32
